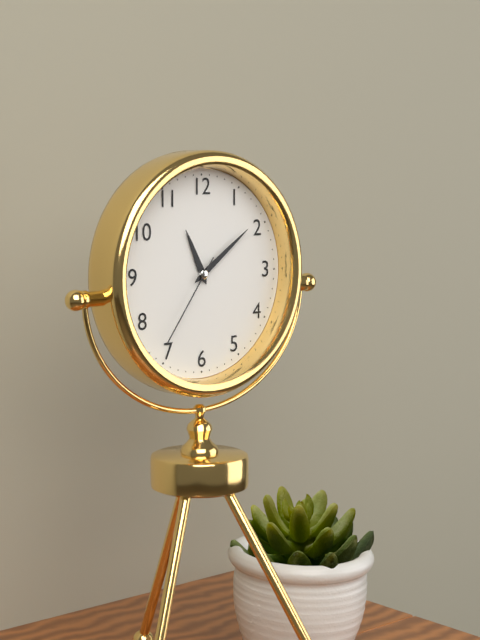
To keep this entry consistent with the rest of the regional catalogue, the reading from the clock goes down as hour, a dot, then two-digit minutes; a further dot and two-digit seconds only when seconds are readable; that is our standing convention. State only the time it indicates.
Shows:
11.09.36
